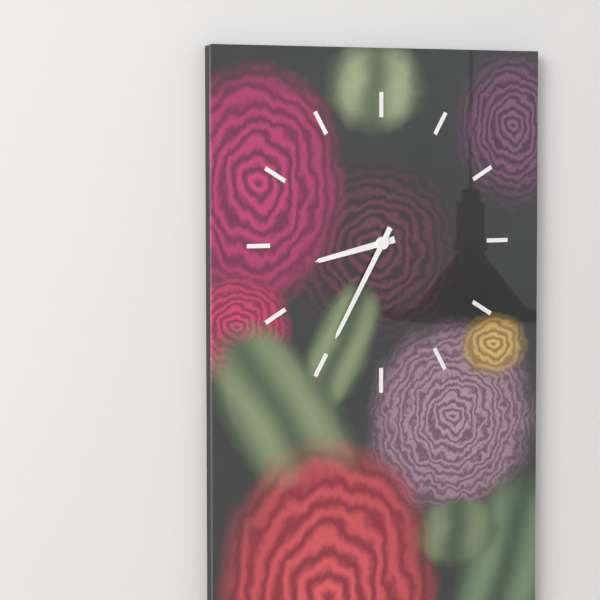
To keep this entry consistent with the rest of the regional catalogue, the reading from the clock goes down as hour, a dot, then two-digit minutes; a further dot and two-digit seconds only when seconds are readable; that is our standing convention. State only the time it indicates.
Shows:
8.35
